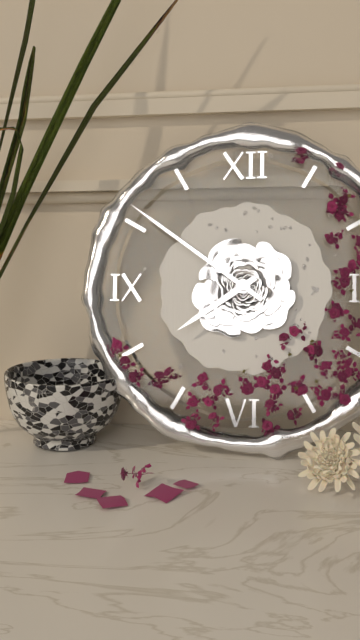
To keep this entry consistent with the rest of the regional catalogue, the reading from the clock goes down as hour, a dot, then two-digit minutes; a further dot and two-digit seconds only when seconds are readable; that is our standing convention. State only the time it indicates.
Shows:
7.51
